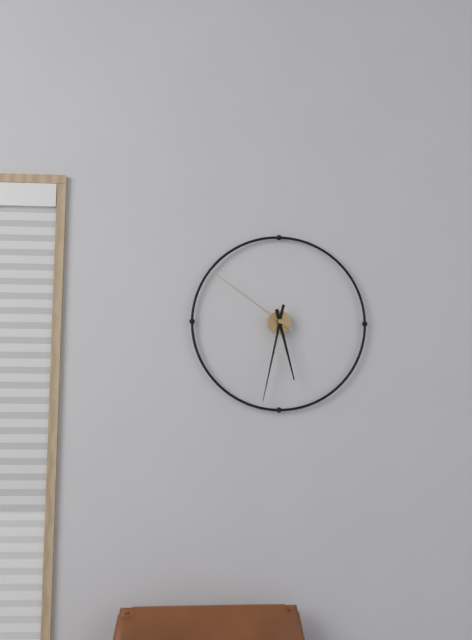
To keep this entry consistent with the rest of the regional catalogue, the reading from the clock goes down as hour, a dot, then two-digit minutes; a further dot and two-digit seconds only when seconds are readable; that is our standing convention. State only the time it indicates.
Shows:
5.32.51
